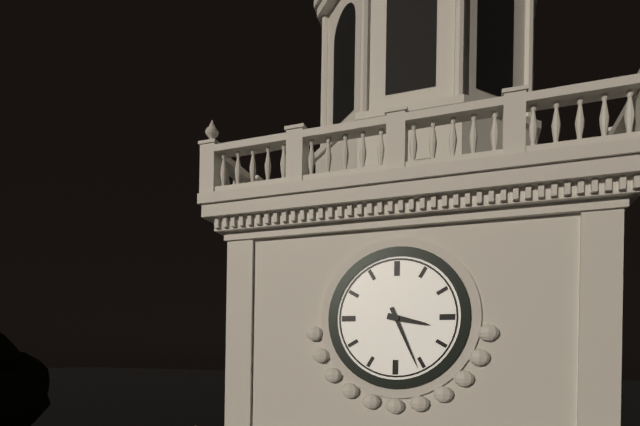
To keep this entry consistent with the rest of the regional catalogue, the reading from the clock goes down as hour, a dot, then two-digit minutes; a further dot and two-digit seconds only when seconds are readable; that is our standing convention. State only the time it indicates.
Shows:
3.26
